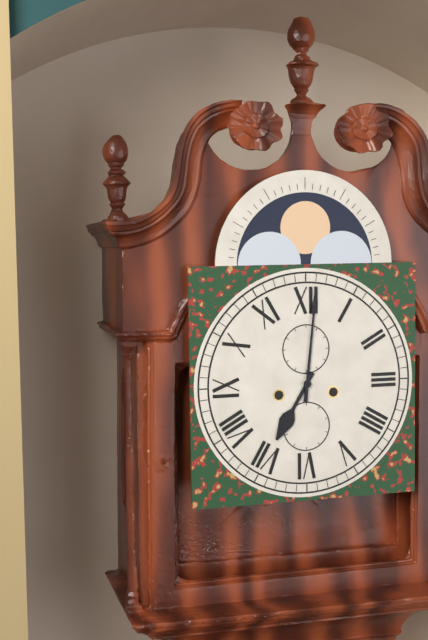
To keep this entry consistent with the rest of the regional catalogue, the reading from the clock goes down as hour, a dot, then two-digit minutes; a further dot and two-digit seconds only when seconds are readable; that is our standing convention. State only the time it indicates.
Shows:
7.01
